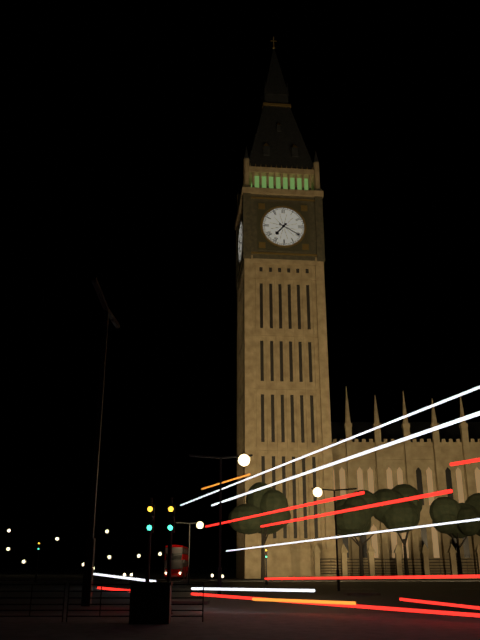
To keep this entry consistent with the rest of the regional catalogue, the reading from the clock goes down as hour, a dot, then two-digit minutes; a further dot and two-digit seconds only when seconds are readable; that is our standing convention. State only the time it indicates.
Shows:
7.20
